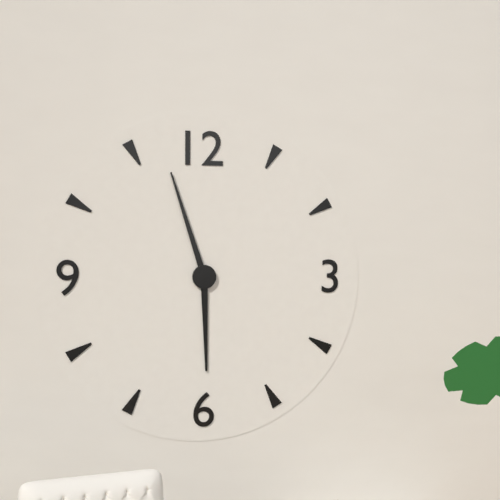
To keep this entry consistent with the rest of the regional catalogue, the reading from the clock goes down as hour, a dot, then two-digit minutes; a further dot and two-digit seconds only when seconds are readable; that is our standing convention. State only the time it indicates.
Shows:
5.57
